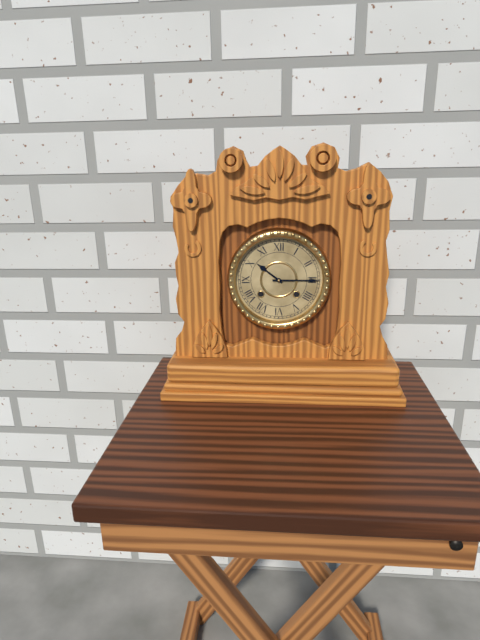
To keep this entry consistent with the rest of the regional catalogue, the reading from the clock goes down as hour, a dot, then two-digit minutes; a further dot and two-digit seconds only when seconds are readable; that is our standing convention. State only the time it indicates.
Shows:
10.15
